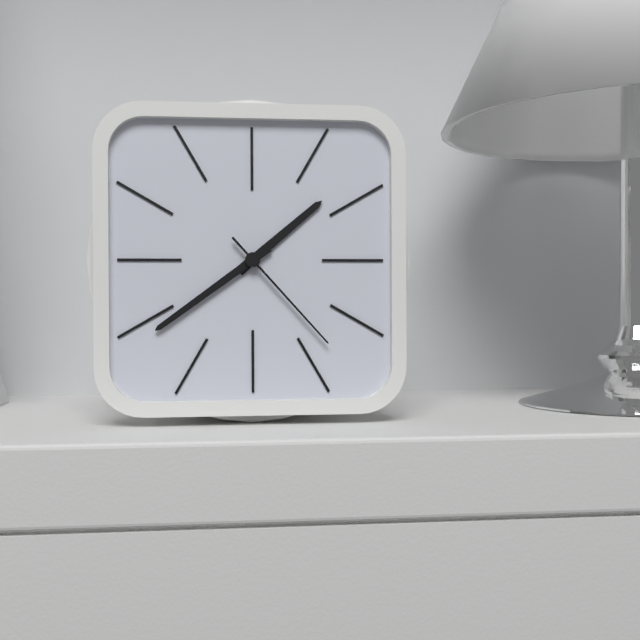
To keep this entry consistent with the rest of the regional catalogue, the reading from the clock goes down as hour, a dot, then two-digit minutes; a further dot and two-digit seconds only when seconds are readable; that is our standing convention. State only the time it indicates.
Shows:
1.39.23
